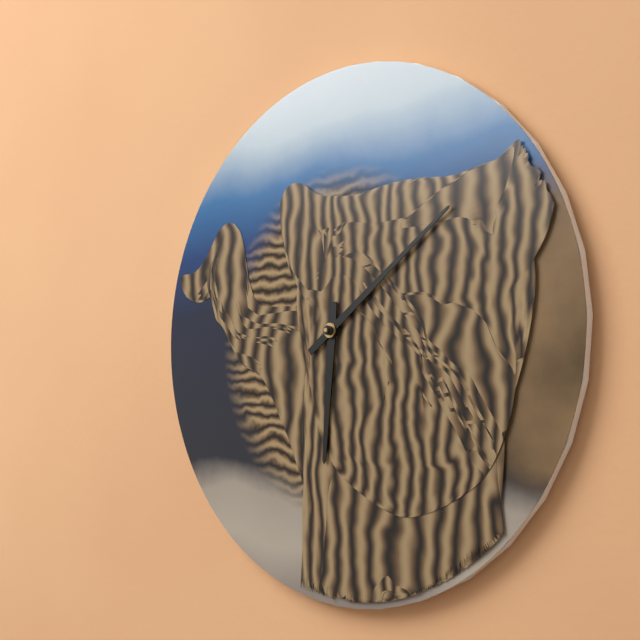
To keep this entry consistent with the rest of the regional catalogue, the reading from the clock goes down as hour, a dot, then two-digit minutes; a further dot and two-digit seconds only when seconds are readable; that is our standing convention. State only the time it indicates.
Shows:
6.09
